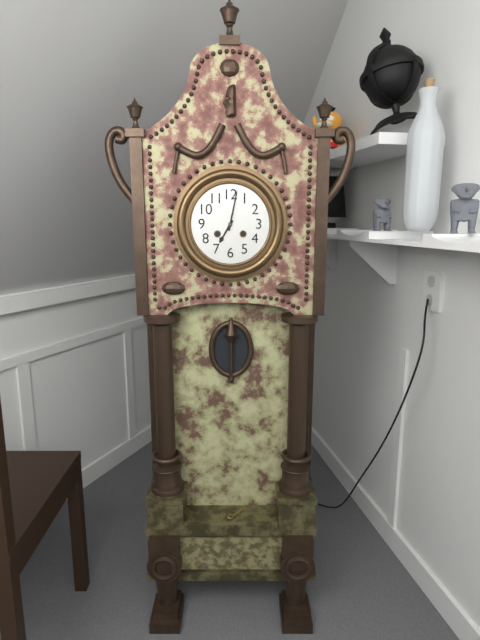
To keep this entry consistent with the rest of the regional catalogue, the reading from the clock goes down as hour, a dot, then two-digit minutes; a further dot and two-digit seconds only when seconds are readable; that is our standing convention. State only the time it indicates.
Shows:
7.02
